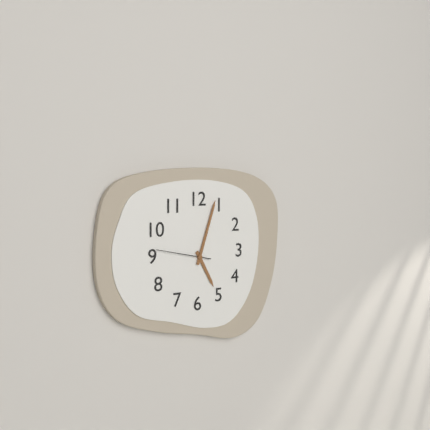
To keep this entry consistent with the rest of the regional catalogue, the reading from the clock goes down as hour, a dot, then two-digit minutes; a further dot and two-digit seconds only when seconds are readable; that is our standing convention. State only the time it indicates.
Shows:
5.03
